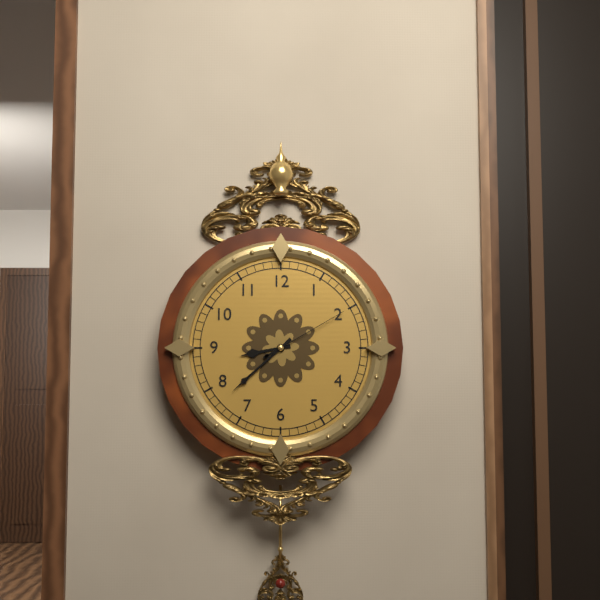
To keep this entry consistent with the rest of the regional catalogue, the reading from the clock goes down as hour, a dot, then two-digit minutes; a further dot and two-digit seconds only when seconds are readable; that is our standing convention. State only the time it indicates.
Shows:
8.38.10
